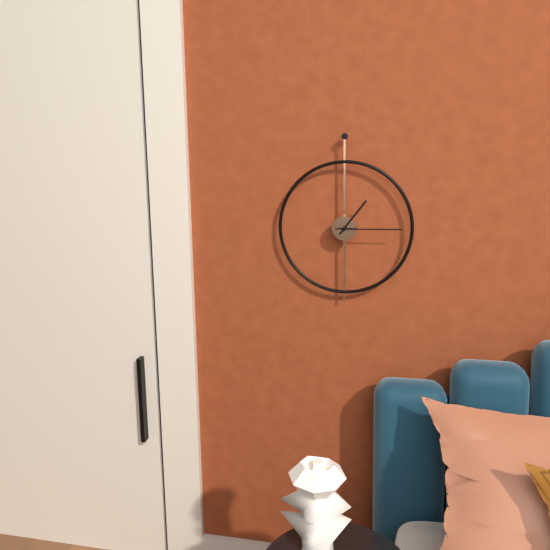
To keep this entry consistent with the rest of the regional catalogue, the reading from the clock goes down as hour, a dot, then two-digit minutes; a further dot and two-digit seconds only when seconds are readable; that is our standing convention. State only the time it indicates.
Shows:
1.15
